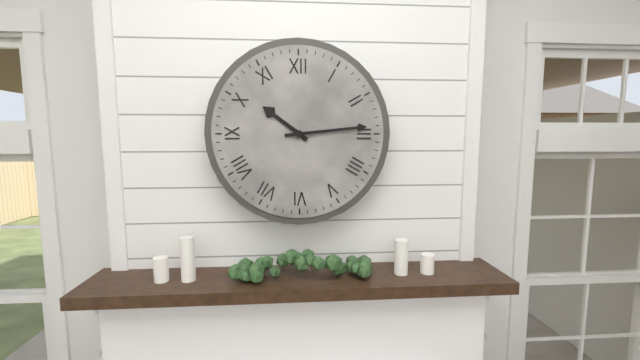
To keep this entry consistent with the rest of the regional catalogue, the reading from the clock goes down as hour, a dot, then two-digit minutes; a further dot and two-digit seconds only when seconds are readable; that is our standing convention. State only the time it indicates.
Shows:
10.14
